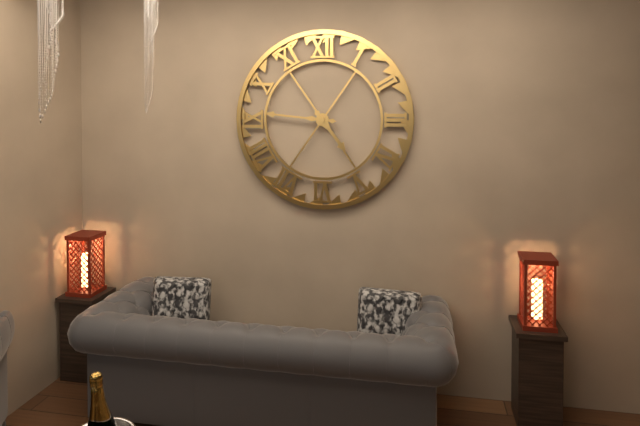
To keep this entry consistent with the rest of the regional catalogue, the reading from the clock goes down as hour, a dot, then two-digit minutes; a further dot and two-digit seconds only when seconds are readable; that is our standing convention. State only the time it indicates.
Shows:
4.46
